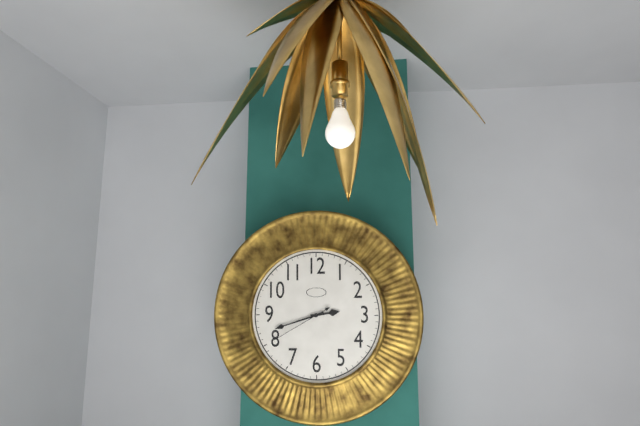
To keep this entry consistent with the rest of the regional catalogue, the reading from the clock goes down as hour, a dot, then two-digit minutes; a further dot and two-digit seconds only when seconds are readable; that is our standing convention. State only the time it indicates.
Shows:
2.42.40
